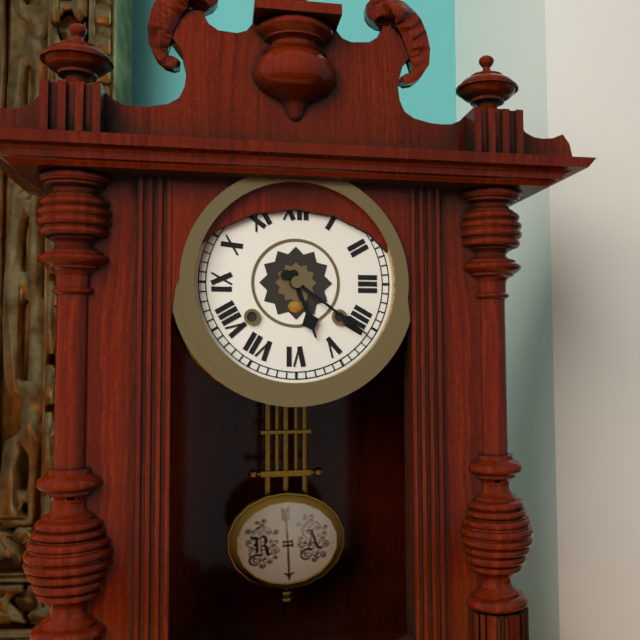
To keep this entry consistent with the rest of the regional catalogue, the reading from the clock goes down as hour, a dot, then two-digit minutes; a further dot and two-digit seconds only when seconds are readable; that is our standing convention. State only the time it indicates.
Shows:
5.21
